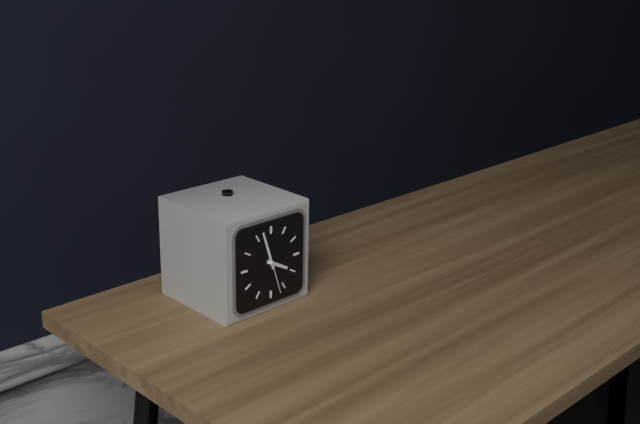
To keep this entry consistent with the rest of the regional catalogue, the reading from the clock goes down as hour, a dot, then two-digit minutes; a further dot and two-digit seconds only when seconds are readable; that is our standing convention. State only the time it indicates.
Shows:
3.57
